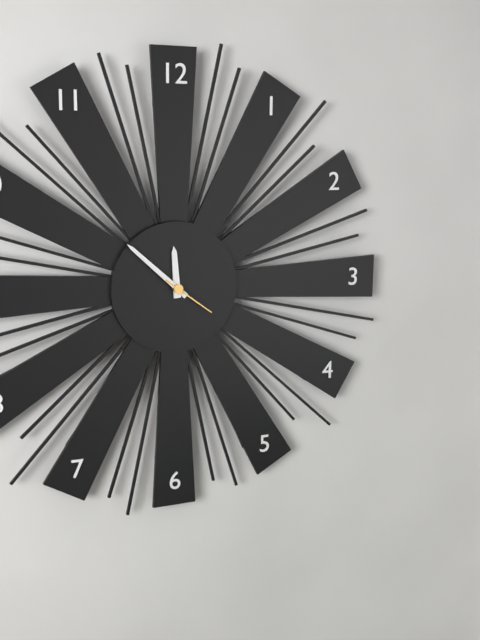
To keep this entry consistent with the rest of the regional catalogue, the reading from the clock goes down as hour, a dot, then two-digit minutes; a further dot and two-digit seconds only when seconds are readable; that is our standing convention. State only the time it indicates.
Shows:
11.52.21
